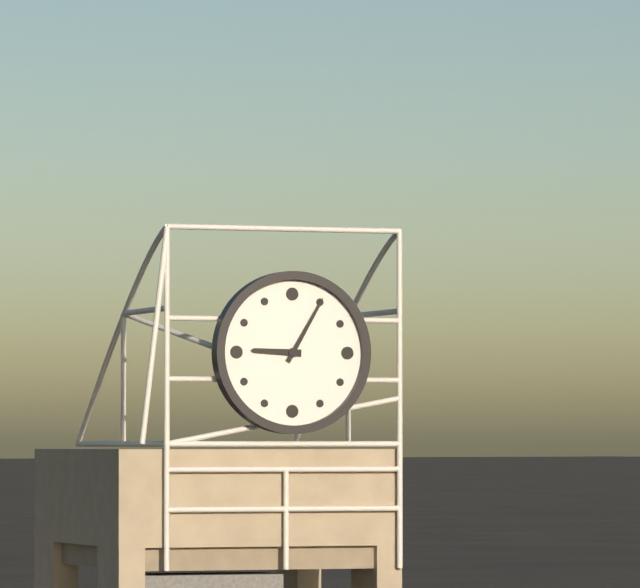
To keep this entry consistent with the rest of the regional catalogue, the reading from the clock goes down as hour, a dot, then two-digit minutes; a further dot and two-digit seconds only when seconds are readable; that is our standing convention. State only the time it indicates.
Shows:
9.05
